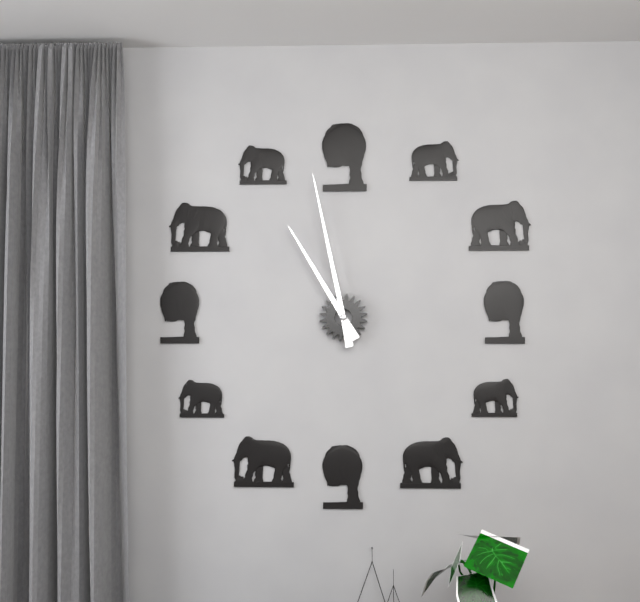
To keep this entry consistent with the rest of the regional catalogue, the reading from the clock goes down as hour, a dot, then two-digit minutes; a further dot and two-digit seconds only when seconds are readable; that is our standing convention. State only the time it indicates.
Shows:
10.58
